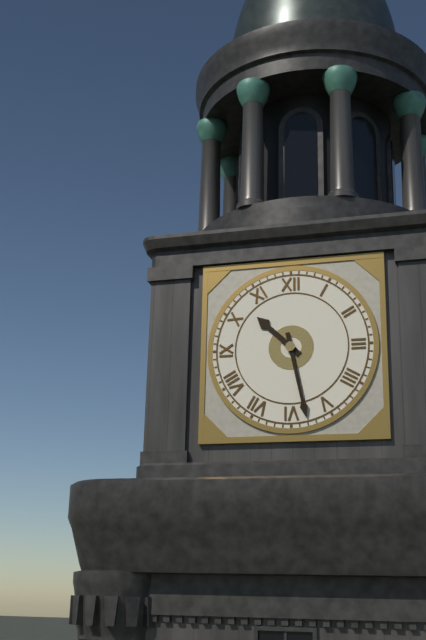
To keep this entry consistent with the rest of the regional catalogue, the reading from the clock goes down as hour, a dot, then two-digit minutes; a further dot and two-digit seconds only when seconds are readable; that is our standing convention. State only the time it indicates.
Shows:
10.28
